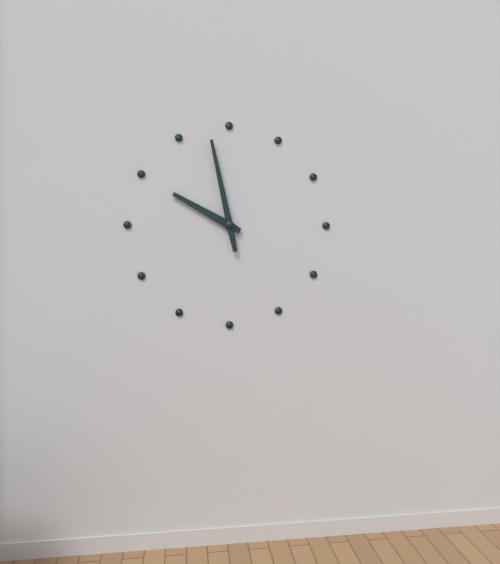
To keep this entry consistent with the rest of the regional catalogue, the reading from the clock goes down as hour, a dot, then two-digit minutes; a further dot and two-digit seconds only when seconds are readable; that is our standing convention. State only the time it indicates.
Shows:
9.58
